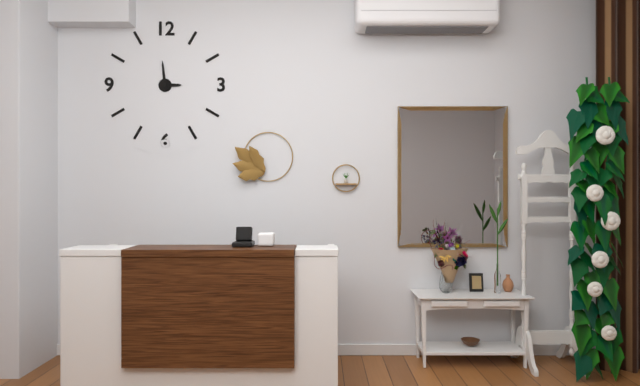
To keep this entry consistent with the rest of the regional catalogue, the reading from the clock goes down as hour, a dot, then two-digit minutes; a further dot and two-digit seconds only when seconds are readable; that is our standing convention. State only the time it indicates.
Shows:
2.59
